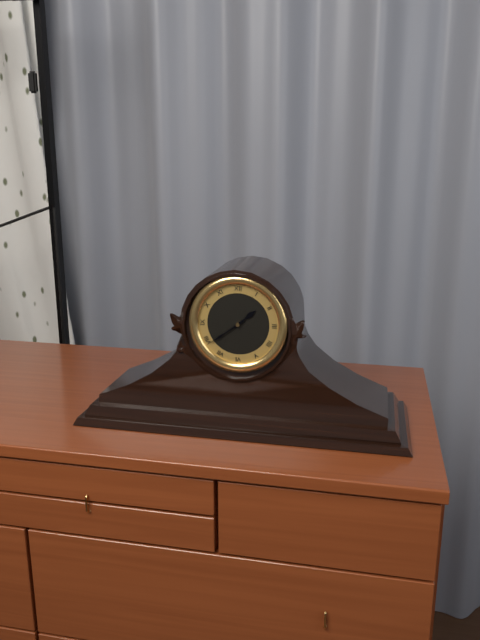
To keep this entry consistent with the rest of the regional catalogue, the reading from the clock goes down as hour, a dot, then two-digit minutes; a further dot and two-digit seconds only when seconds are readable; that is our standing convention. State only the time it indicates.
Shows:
1.39
